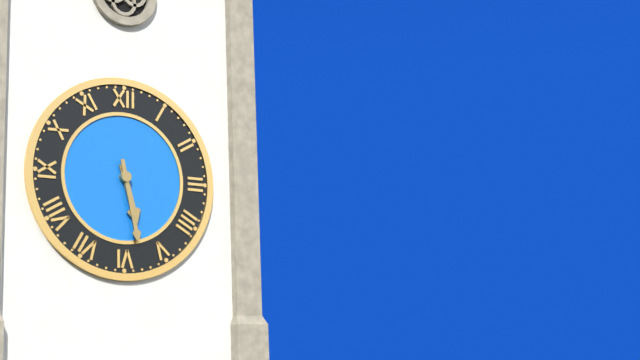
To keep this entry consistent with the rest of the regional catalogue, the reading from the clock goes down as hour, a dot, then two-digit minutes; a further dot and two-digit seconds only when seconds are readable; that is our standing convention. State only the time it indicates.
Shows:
5.28
